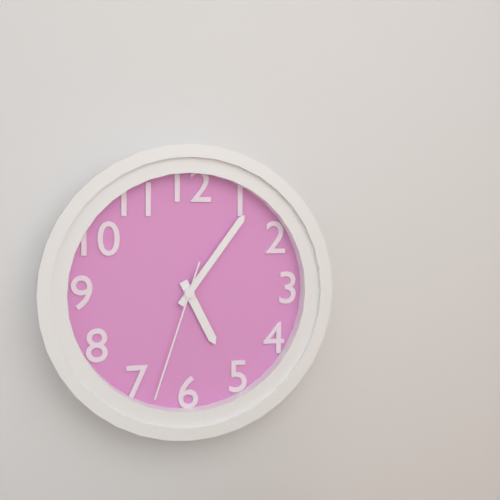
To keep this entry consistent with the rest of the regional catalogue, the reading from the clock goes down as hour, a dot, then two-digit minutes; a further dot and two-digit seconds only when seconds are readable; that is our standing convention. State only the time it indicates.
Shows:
5.06.33
